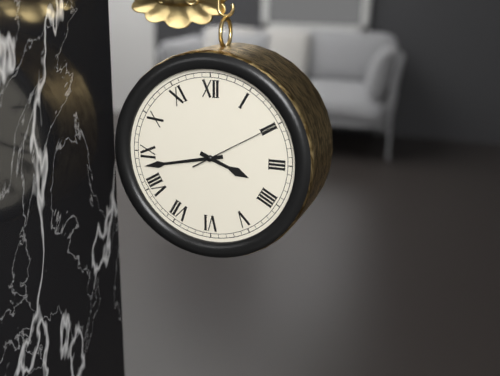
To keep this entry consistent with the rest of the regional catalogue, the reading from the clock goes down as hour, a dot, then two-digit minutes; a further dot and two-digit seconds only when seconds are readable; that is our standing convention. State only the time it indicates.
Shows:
3.43.10
